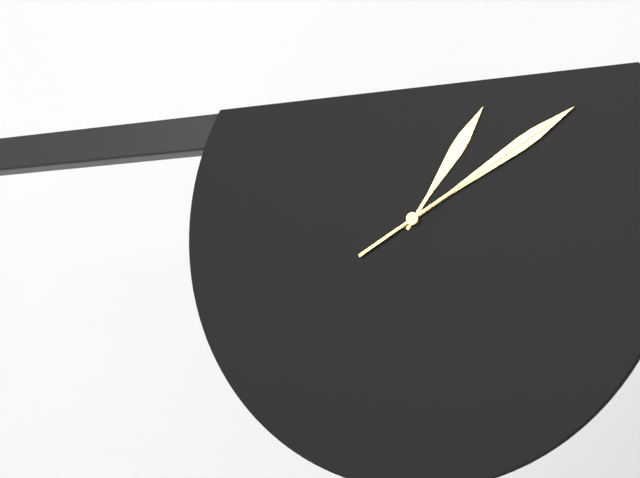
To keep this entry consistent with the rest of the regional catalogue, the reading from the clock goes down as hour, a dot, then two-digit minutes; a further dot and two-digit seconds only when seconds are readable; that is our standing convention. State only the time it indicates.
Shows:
1.10.10
